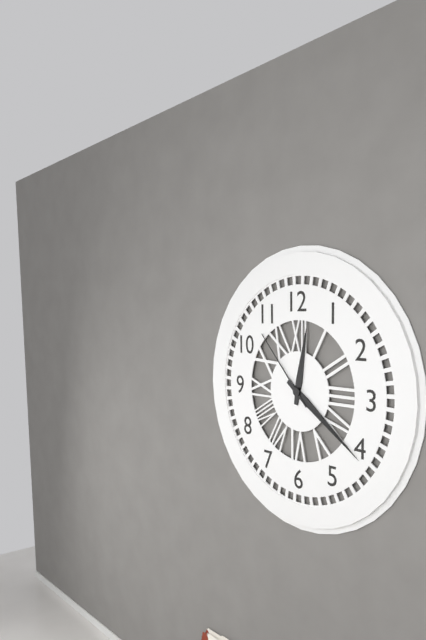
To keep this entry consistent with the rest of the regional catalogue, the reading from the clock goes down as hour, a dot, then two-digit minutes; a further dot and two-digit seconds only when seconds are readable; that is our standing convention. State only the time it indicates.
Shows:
12.21.53
